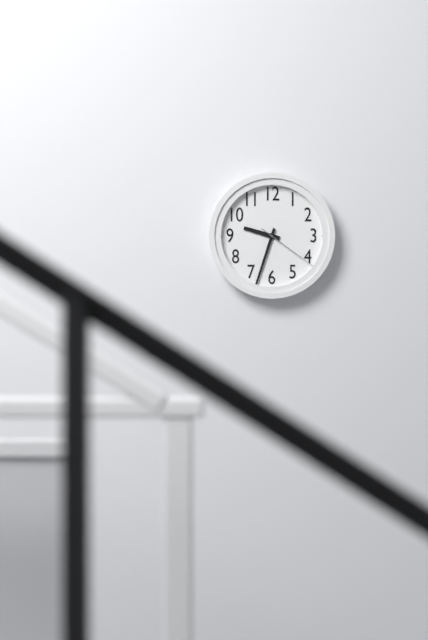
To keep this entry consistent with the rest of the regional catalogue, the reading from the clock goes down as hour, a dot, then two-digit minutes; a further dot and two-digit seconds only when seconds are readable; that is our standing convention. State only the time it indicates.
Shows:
9.33.21
